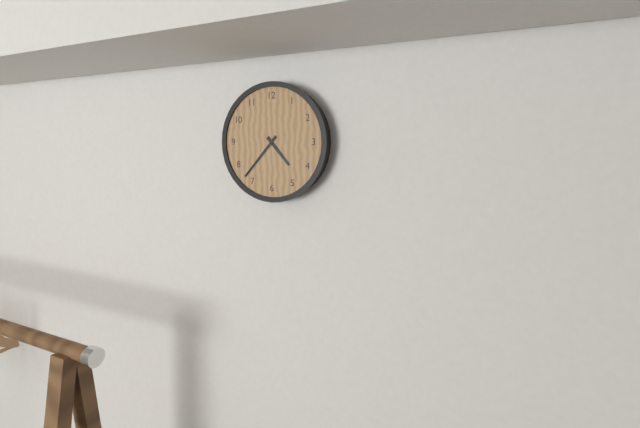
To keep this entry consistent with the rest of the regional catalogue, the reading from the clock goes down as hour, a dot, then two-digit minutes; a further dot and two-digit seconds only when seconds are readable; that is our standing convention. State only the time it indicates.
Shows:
4.37
